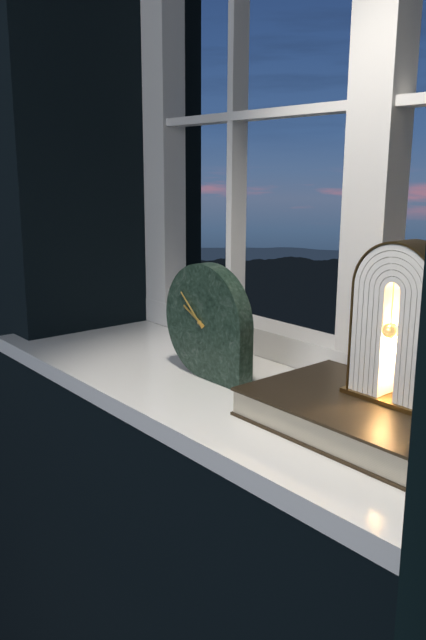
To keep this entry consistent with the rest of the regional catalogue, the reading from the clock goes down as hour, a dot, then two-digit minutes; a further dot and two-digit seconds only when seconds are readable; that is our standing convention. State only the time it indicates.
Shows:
9.52
